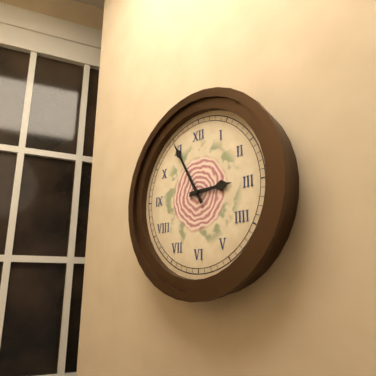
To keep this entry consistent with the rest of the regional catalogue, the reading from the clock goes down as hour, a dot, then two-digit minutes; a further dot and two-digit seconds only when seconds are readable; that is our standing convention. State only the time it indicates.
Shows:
2.55
